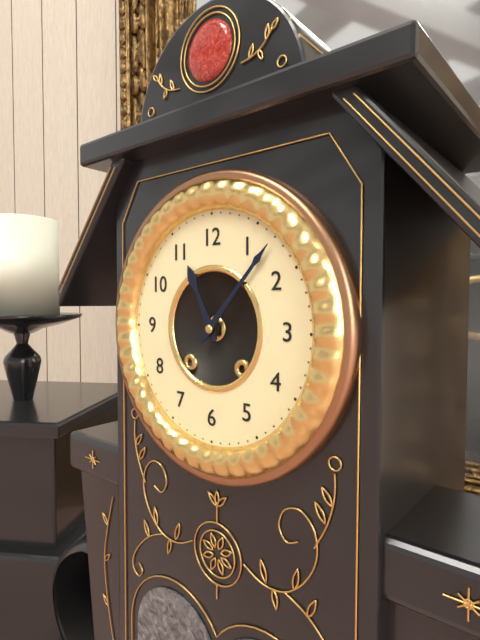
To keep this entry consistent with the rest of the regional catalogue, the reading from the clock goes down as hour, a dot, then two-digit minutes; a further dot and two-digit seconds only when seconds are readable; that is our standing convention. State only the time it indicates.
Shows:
11.07
